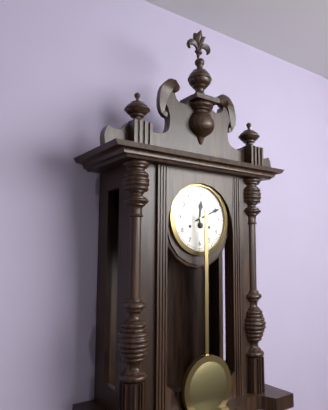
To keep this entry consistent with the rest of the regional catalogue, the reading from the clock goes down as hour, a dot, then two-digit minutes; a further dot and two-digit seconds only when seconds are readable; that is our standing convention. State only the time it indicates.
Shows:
12.11
